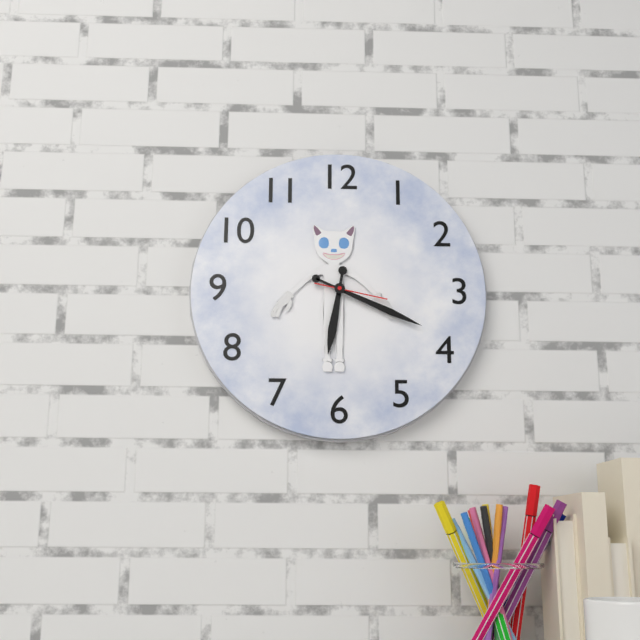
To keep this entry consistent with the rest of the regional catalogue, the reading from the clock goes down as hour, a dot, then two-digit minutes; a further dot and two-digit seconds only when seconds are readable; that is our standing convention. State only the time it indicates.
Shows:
6.19.17
